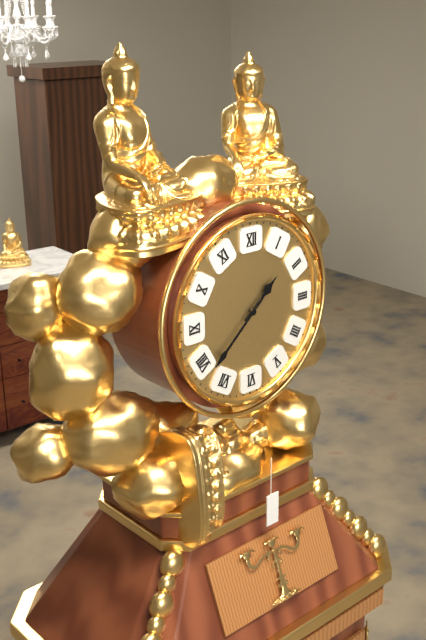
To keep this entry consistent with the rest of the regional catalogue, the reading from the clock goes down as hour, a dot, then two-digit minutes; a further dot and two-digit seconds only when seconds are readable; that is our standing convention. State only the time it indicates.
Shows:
1.38
